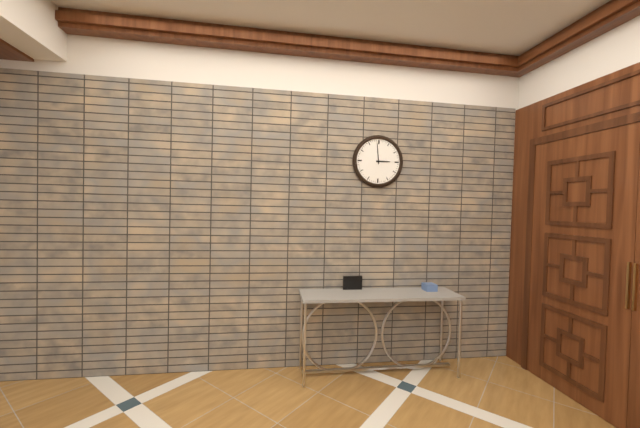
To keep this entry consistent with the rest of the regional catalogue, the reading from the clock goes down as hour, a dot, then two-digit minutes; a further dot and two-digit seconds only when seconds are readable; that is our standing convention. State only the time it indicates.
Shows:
2.59
